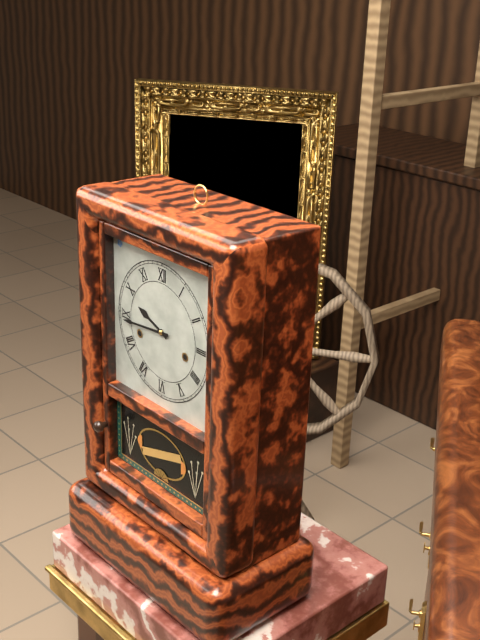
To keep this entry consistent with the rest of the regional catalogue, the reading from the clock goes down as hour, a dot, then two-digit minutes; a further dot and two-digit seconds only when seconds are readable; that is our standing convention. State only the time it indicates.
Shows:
9.44
